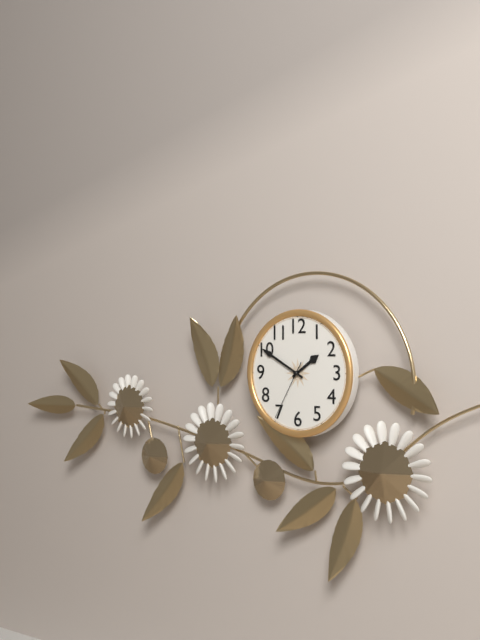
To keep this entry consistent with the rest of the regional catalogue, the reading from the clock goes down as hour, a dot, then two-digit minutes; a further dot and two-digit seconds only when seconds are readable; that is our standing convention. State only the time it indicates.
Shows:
1.50.35
